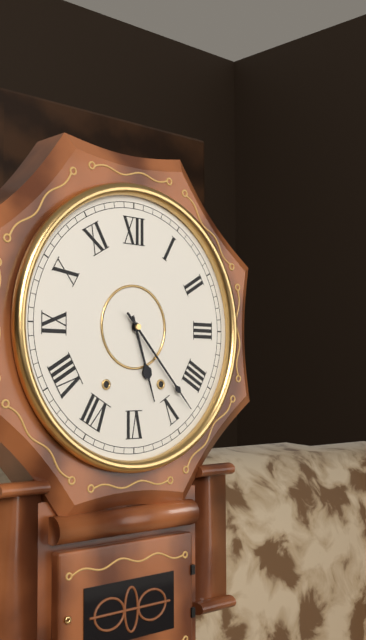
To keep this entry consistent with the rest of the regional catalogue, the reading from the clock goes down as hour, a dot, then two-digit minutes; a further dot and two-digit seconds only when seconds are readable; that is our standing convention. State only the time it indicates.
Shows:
5.23
